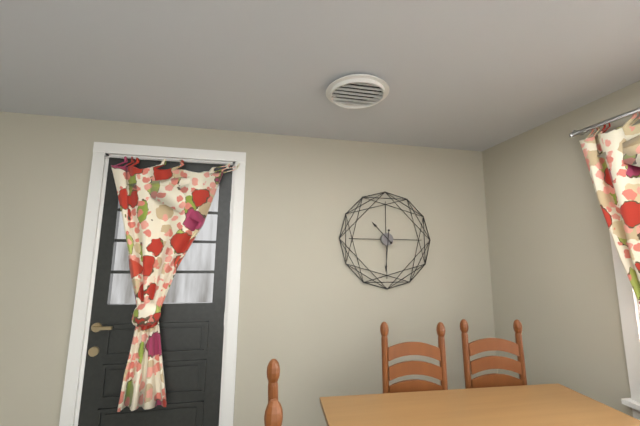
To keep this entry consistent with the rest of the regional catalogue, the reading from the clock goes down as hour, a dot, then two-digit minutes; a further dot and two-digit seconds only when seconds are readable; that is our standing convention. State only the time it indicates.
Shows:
10.31
